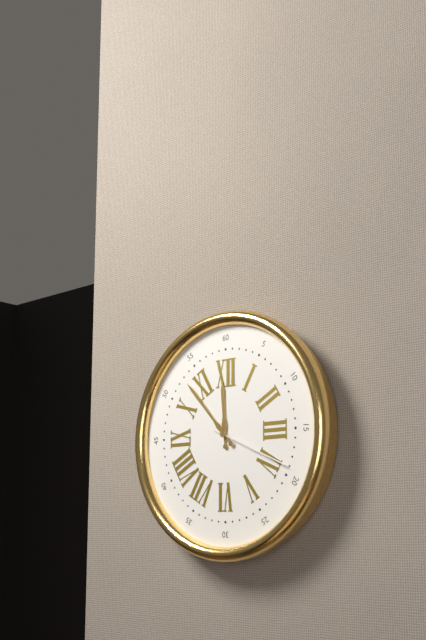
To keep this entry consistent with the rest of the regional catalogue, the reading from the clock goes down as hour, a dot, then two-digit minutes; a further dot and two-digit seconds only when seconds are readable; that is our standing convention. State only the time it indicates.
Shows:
11.53.19
